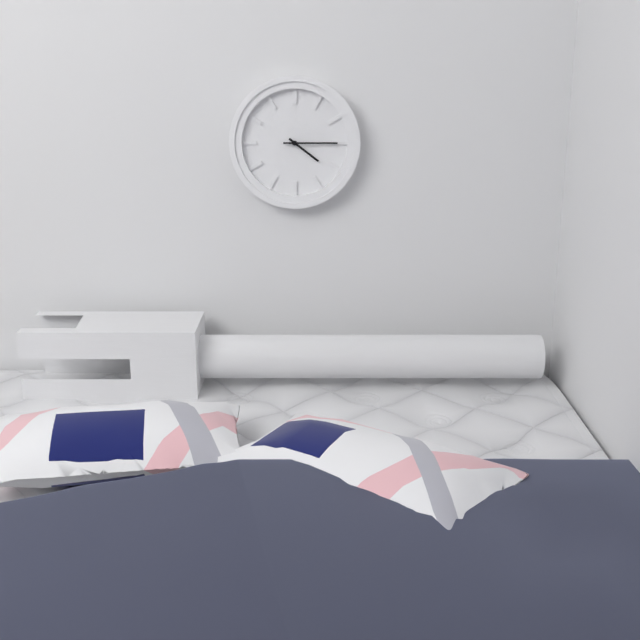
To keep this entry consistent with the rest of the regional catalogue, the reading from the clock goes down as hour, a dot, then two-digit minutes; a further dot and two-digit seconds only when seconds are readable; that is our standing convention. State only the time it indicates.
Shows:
4.15
